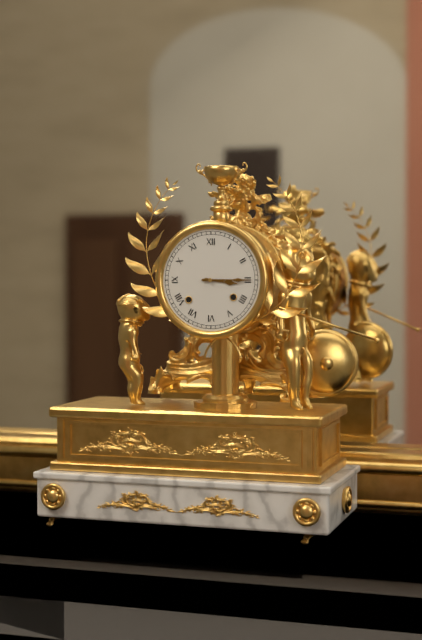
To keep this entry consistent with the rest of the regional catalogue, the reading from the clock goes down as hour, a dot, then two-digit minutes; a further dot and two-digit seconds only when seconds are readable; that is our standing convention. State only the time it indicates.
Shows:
3.15
